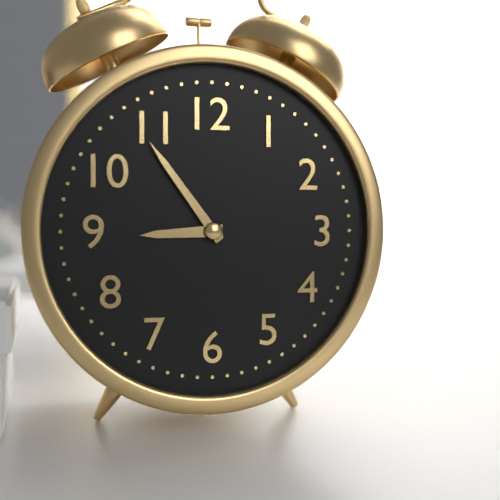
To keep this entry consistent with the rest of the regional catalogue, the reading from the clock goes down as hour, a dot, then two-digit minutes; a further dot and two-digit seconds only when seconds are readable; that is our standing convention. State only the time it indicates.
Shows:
8.54
